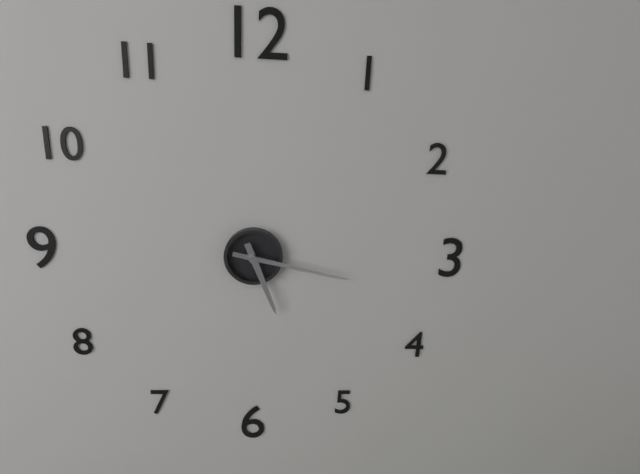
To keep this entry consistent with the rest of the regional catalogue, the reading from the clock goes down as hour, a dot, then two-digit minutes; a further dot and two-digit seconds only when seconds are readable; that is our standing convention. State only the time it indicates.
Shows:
5.17
